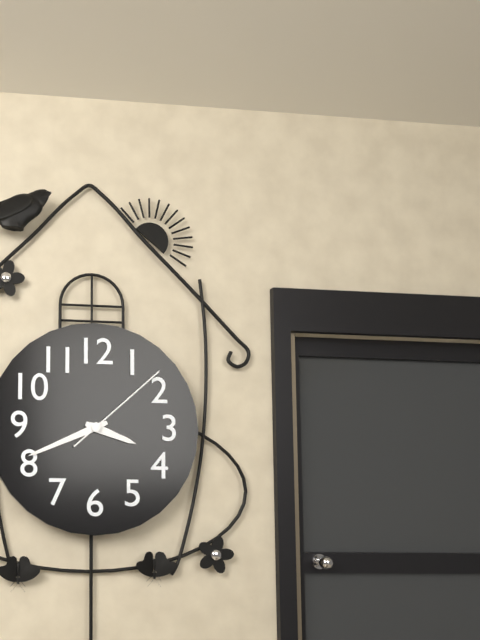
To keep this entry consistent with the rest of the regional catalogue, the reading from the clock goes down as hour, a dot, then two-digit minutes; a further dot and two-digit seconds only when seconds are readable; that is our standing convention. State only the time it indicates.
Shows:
3.41.08
